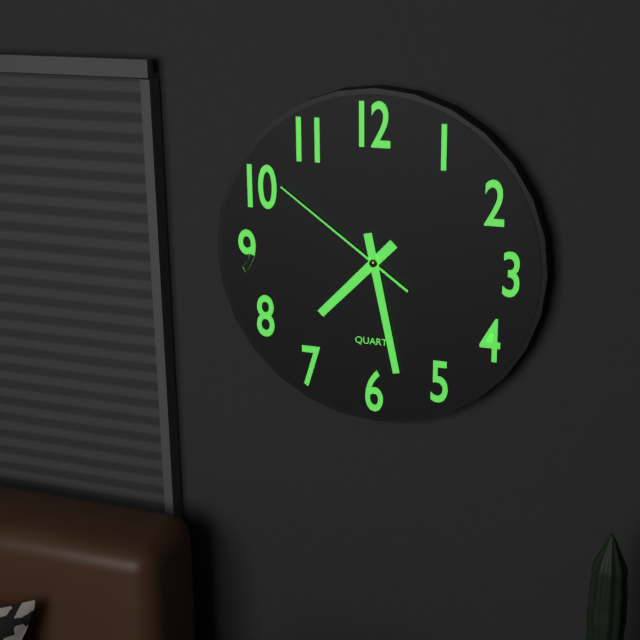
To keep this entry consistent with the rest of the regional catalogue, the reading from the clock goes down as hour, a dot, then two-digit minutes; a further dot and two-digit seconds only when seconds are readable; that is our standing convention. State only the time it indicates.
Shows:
7.28.51
